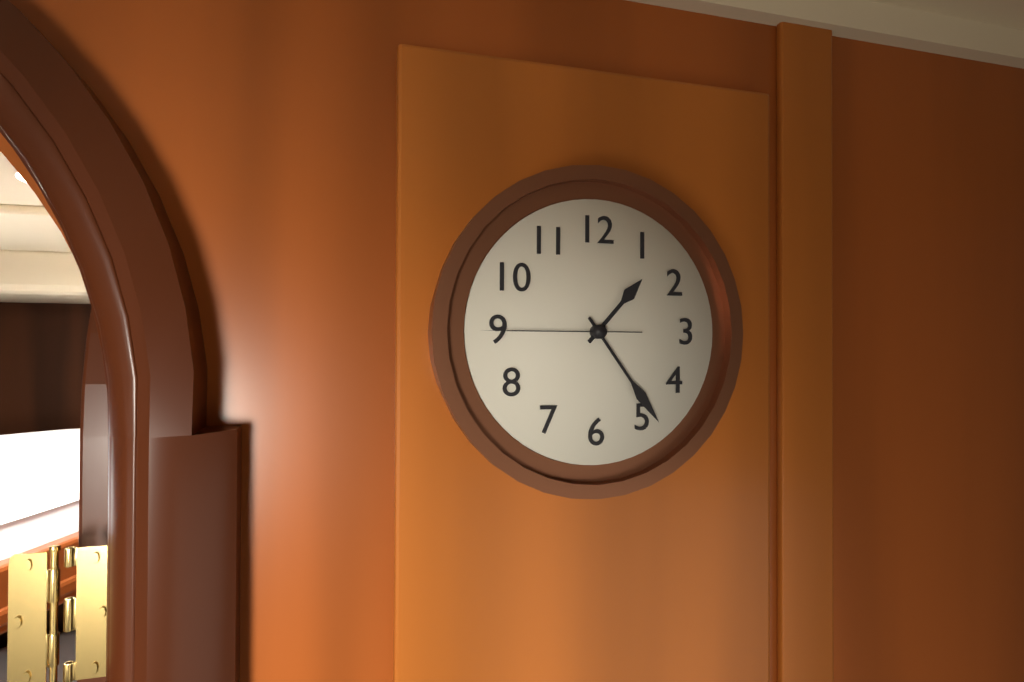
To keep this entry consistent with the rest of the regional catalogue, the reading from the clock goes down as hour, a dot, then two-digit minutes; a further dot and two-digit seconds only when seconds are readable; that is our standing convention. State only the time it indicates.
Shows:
1.24.45
